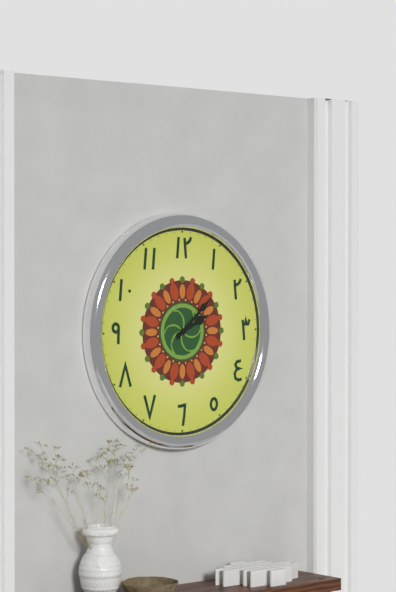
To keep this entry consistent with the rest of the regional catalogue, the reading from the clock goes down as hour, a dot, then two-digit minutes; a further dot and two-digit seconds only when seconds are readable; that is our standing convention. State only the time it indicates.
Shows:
2.08
